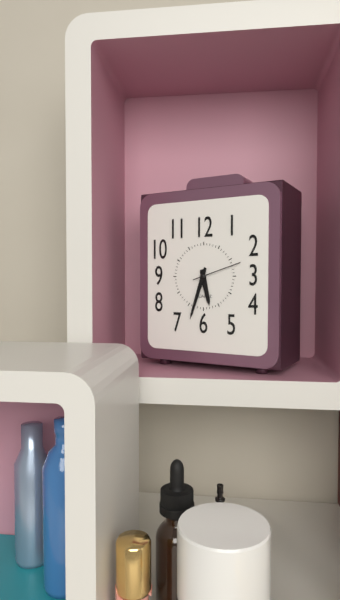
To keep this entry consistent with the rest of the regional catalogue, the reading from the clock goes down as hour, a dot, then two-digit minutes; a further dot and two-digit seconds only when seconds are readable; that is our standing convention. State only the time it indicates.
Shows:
5.33.12
